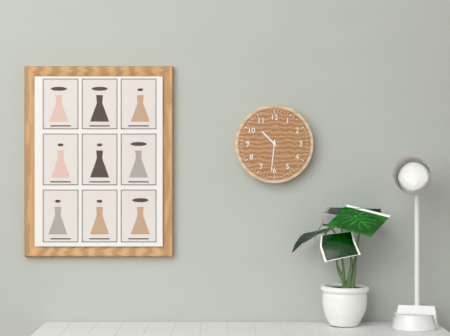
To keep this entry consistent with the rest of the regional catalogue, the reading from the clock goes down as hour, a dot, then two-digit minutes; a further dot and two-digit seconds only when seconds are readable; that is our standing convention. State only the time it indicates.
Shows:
10.31
